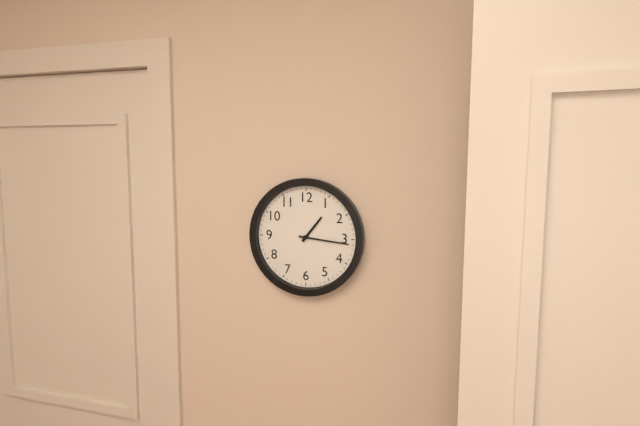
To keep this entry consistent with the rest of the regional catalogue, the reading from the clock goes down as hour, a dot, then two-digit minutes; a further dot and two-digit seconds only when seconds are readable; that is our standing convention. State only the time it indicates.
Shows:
1.16
